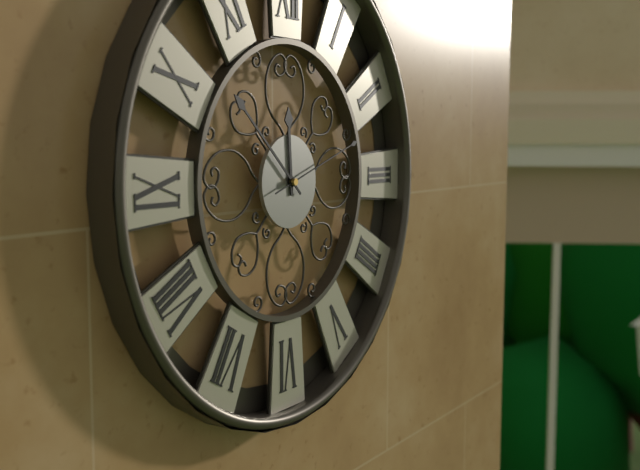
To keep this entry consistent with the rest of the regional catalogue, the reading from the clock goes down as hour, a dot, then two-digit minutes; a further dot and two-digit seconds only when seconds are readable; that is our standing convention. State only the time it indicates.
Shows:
11.52.12
